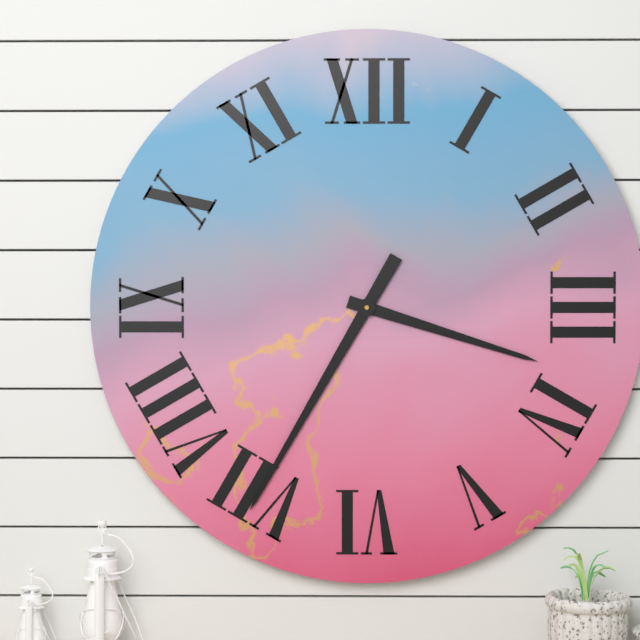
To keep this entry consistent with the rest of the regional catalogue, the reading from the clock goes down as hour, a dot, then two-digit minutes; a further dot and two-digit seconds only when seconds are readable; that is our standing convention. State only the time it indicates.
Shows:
3.35
